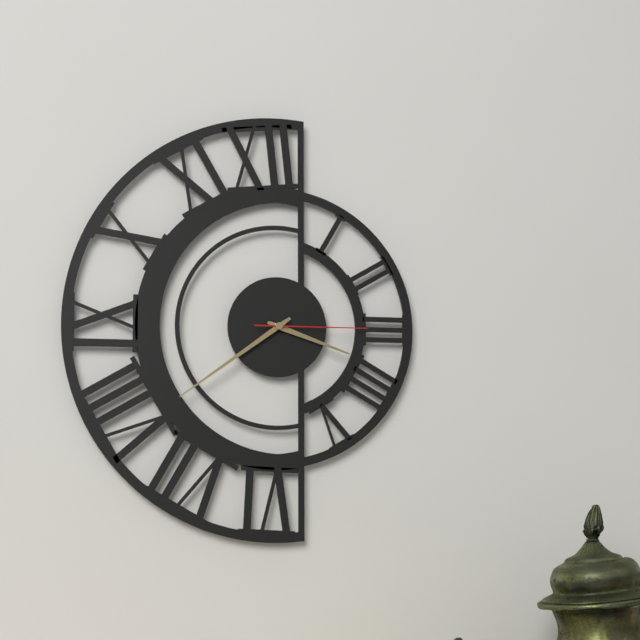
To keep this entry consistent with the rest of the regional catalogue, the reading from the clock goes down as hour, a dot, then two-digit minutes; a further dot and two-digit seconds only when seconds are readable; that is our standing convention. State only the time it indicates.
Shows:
3.39.15
